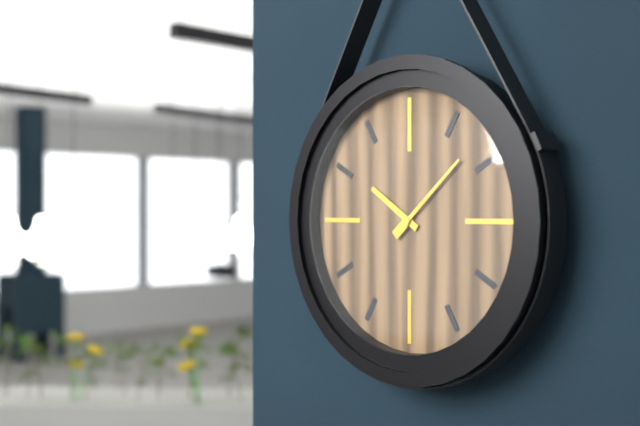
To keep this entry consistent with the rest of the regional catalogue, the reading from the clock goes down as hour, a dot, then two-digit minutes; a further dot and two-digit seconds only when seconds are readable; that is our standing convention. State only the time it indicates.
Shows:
10.08
